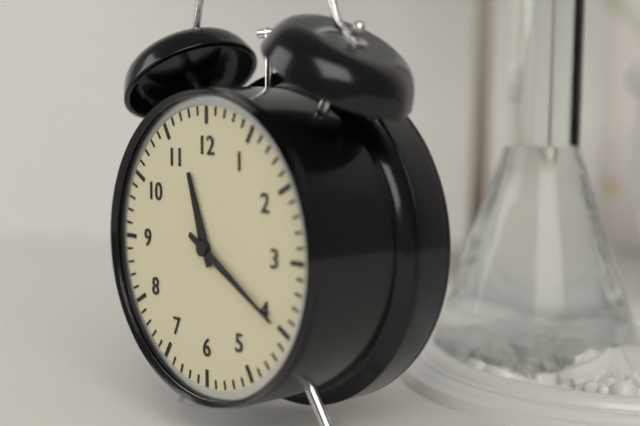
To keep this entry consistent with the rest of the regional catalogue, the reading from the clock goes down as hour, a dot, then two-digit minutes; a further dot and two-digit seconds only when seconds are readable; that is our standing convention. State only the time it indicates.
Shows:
11.20
